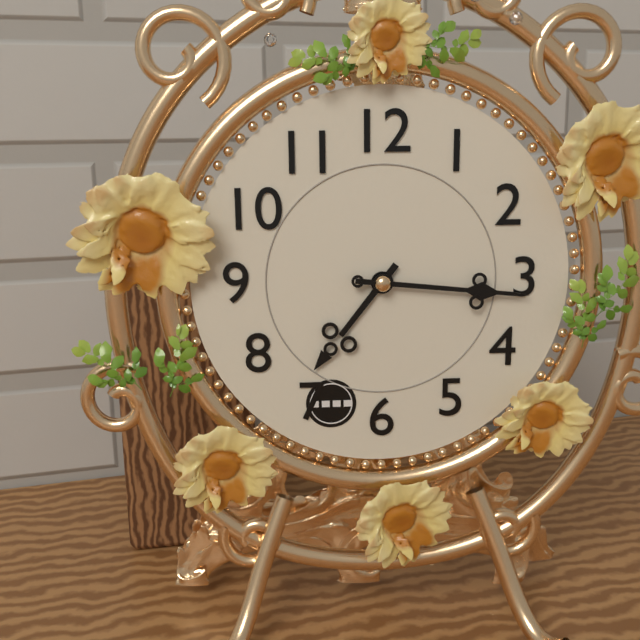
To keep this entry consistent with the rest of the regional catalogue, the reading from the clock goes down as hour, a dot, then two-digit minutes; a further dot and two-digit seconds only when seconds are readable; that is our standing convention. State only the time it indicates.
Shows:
7.16
